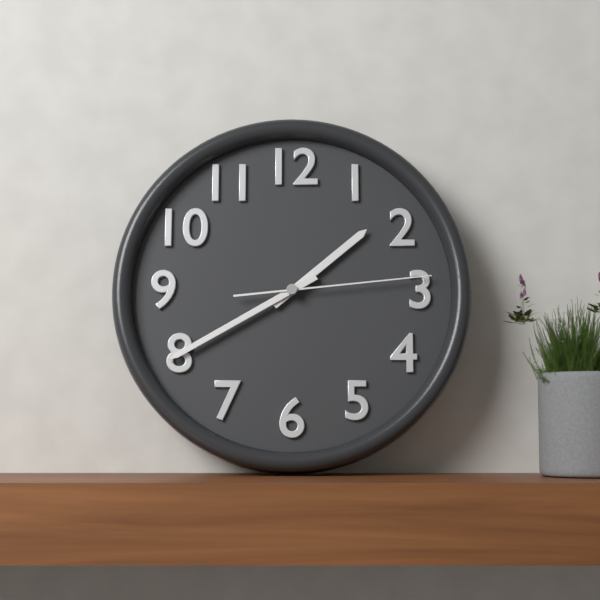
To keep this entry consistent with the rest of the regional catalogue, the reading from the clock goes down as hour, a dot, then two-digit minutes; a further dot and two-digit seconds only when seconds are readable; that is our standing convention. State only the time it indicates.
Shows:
1.40.14
